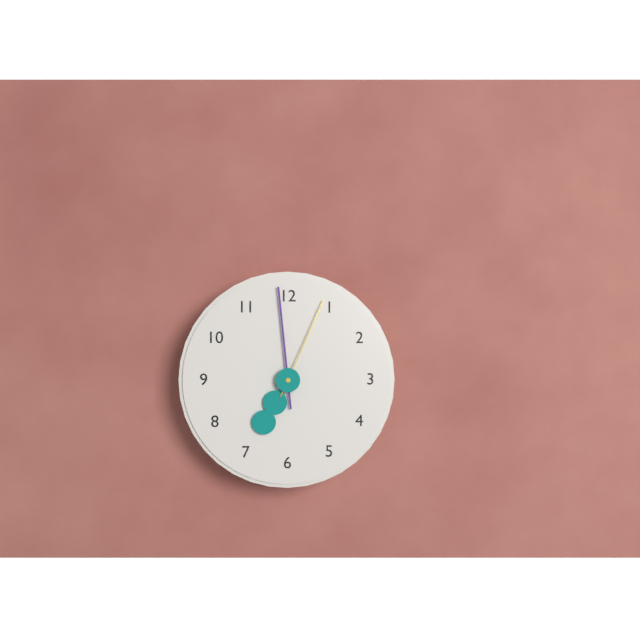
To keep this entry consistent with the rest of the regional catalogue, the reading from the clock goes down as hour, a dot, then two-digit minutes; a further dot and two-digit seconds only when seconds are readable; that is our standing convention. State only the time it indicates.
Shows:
6.59.04
